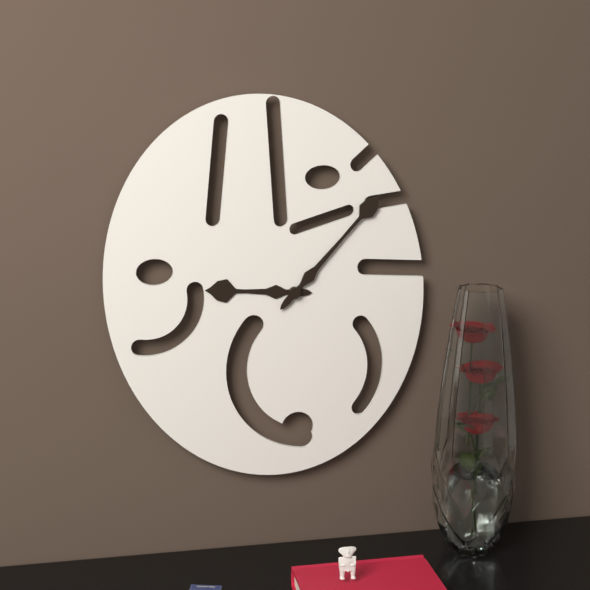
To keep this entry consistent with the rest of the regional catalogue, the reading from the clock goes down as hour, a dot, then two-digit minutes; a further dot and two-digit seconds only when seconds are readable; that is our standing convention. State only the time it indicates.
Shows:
9.07
